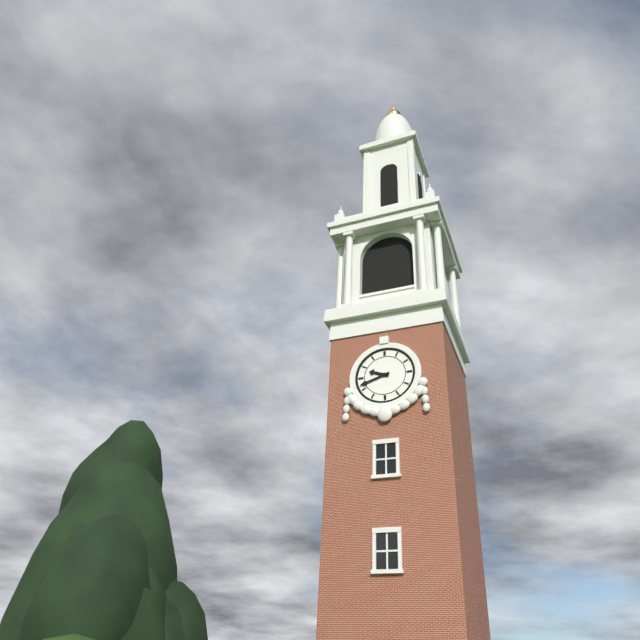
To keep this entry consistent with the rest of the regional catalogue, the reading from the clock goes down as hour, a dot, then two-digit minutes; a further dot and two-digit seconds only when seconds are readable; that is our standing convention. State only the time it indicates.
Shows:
9.42
